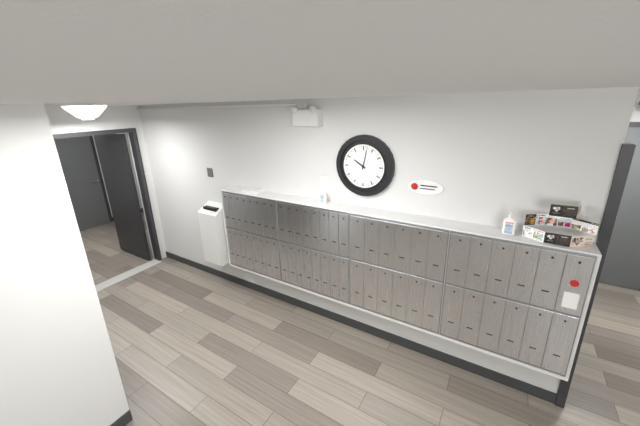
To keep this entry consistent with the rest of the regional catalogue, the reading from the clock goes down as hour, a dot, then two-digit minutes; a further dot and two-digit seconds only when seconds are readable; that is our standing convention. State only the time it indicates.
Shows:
10.02
